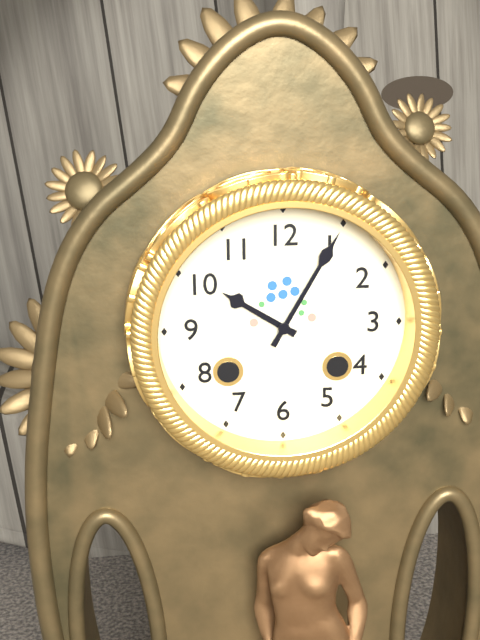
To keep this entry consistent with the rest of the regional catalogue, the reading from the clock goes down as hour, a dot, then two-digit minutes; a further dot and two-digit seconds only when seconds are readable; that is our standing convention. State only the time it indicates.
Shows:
10.05
